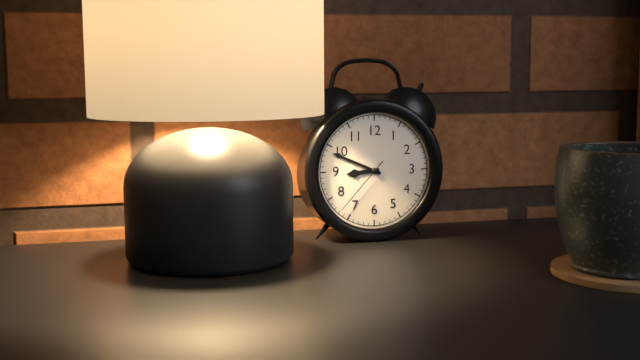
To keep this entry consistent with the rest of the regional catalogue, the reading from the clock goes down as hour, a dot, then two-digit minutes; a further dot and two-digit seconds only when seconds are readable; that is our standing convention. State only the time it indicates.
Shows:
8.49.37
